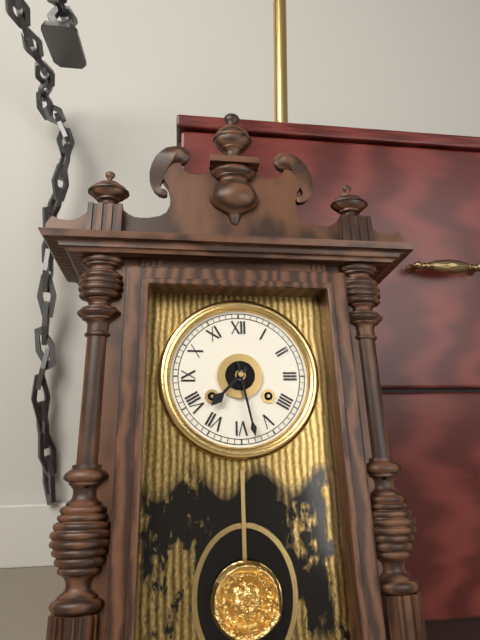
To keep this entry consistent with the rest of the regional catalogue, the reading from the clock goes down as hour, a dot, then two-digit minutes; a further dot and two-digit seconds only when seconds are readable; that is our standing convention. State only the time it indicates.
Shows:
7.28
